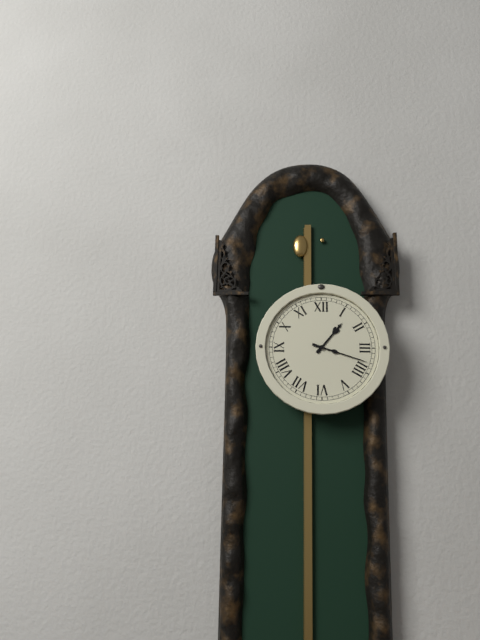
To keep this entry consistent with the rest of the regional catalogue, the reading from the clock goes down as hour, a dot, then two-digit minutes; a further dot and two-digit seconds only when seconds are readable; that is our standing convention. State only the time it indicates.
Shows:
1.18
